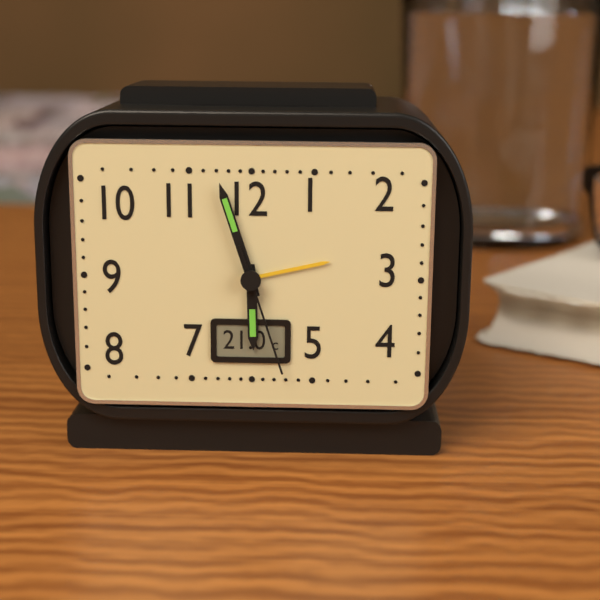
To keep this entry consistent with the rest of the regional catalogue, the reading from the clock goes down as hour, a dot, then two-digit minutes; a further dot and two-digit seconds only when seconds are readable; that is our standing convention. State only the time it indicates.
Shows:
5.57.27
